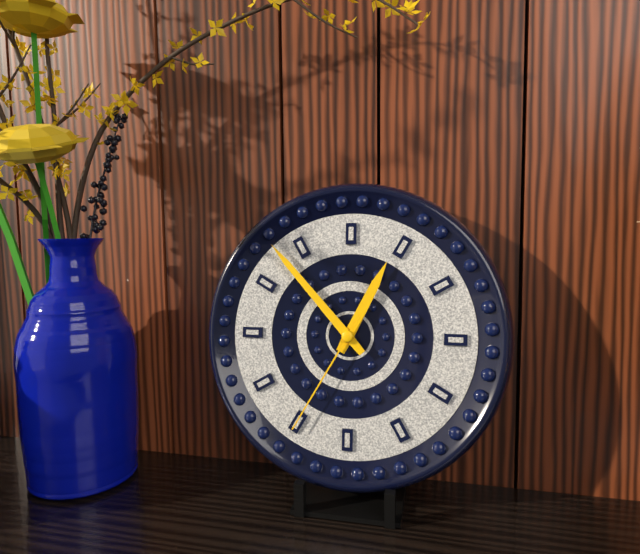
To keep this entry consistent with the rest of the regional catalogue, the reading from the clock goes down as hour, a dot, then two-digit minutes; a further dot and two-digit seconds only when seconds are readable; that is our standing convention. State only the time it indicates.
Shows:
12.53.35
